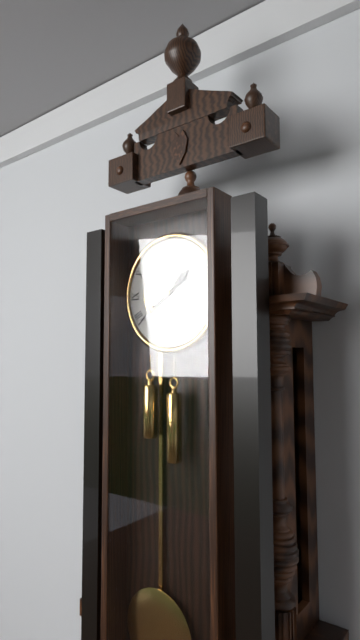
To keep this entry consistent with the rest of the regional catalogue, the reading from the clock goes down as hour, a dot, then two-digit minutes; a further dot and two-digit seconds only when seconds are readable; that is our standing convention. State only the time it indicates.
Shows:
1.39
